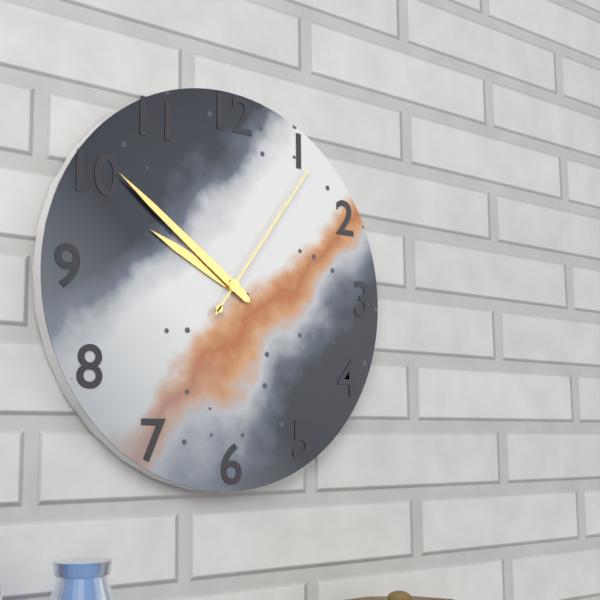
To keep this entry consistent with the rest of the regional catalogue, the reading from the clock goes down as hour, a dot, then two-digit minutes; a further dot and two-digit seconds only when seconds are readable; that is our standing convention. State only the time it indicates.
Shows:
9.51.06
